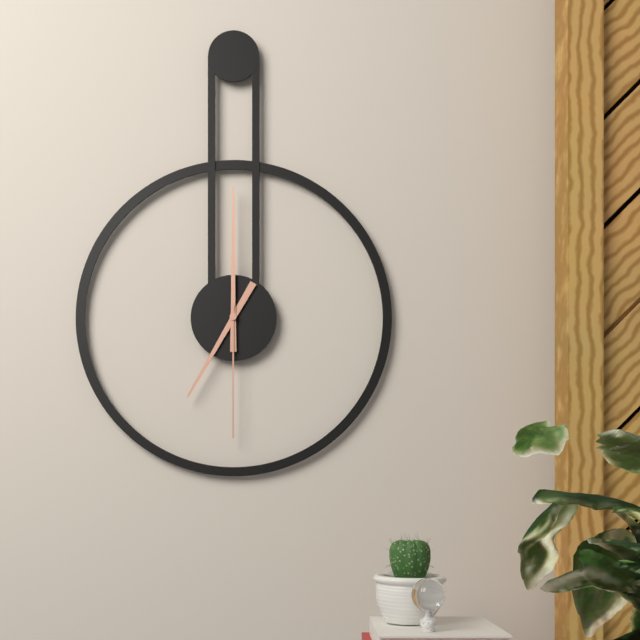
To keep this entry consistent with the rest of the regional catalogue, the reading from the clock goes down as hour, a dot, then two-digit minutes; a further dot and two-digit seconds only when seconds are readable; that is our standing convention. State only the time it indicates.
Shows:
7.00.30
